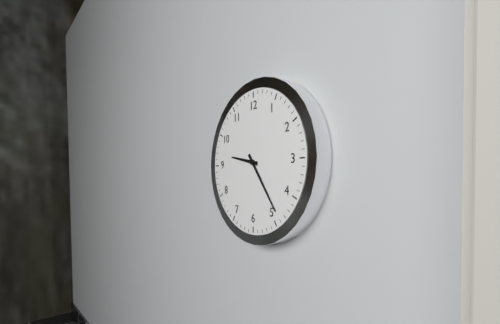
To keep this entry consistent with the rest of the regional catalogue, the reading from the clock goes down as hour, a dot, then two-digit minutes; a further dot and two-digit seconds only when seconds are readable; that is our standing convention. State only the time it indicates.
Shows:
9.24
